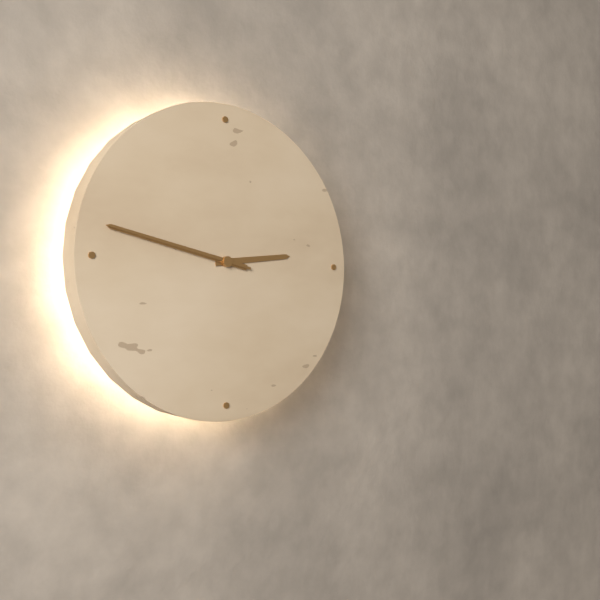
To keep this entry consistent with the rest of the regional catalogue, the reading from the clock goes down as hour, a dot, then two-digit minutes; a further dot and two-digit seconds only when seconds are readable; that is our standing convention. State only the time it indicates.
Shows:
2.47.47
